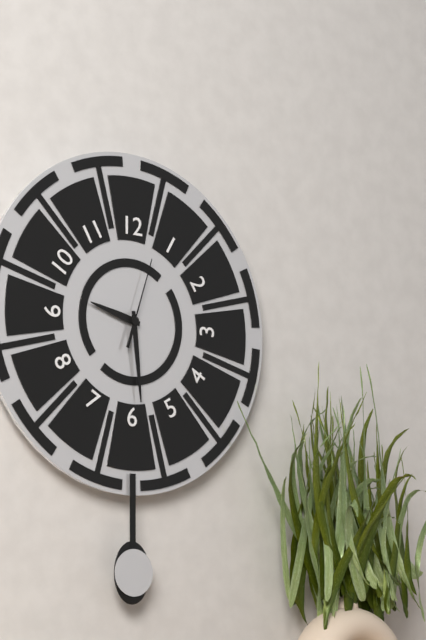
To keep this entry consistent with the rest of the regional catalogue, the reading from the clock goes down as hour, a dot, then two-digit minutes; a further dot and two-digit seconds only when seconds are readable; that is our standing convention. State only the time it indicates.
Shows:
9.29.03
